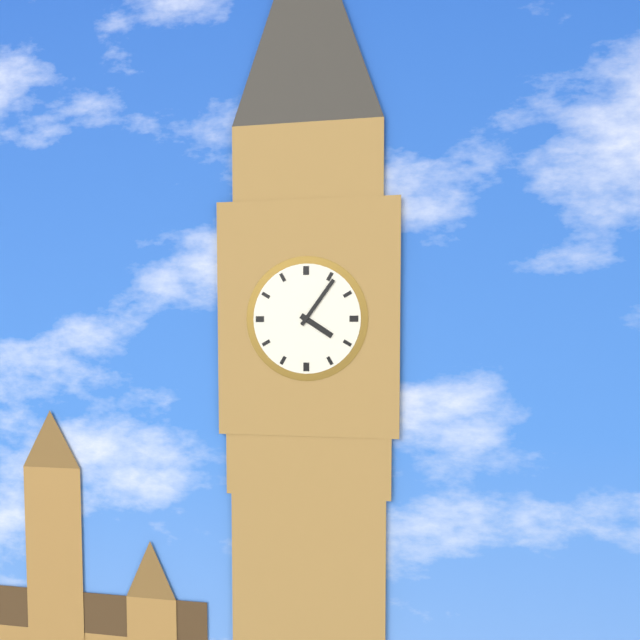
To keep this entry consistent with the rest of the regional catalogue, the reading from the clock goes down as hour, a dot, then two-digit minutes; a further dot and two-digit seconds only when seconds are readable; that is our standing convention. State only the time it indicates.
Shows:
4.06
